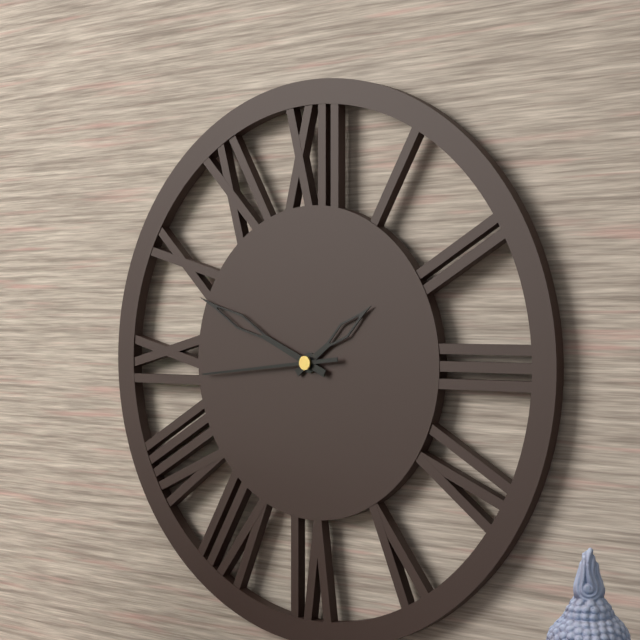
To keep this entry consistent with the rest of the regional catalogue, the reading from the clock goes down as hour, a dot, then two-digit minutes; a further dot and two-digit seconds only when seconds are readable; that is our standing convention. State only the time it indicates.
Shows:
1.49.44
